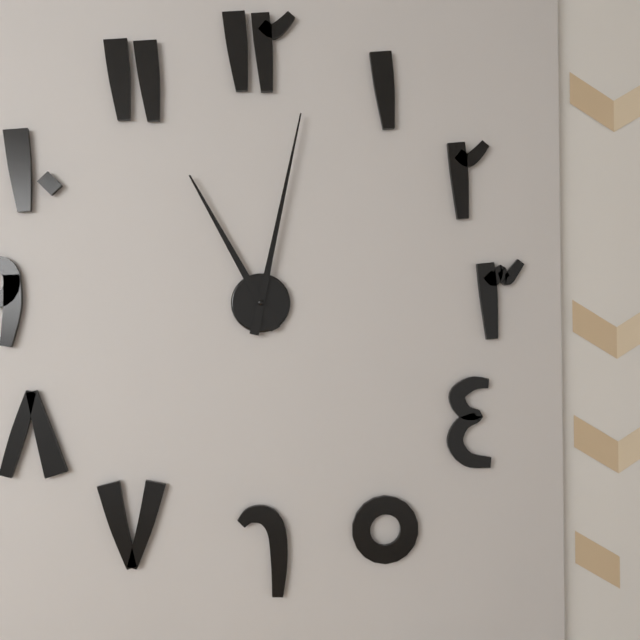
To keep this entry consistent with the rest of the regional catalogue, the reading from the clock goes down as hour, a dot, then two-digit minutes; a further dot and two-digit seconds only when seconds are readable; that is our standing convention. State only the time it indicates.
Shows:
11.02
